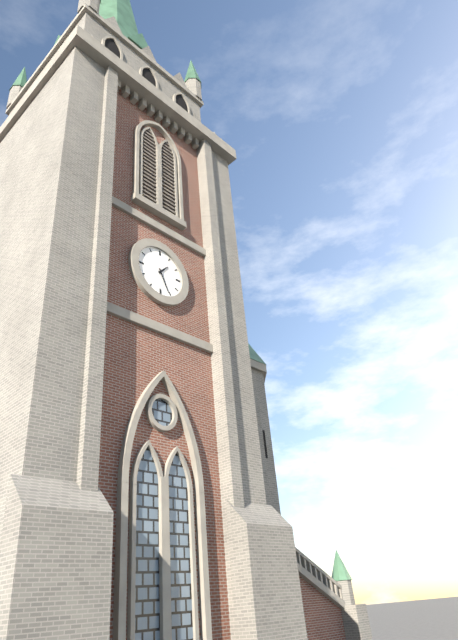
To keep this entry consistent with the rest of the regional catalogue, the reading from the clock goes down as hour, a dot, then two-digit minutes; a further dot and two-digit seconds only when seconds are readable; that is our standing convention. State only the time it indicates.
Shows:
1.26
